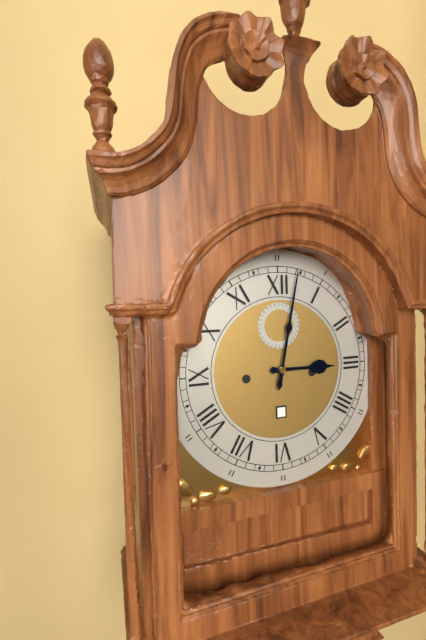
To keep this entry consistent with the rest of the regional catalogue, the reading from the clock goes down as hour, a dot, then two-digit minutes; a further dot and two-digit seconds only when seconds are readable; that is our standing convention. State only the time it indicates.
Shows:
3.02
